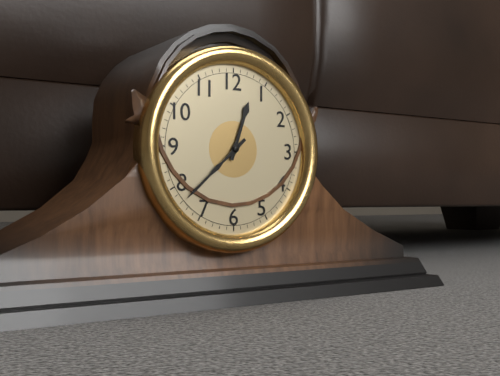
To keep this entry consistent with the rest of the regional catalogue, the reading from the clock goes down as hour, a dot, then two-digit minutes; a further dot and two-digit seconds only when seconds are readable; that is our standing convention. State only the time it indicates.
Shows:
12.38
